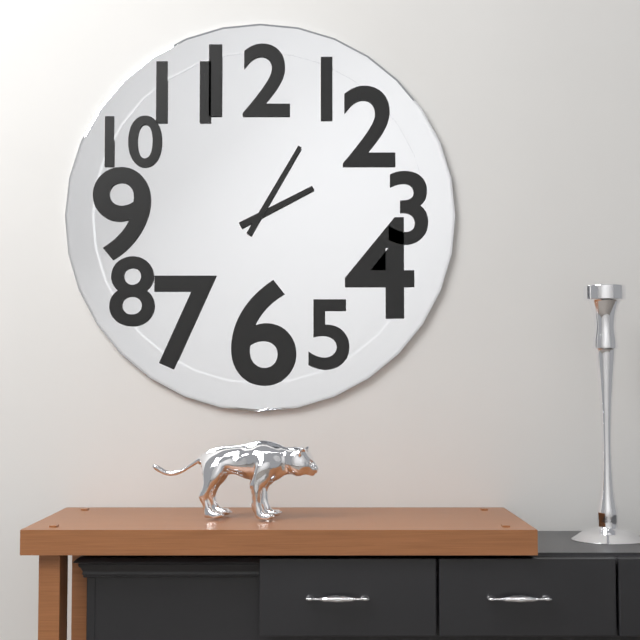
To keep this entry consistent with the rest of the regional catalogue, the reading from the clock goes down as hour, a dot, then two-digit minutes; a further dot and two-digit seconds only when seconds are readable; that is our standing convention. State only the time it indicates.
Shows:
2.05
